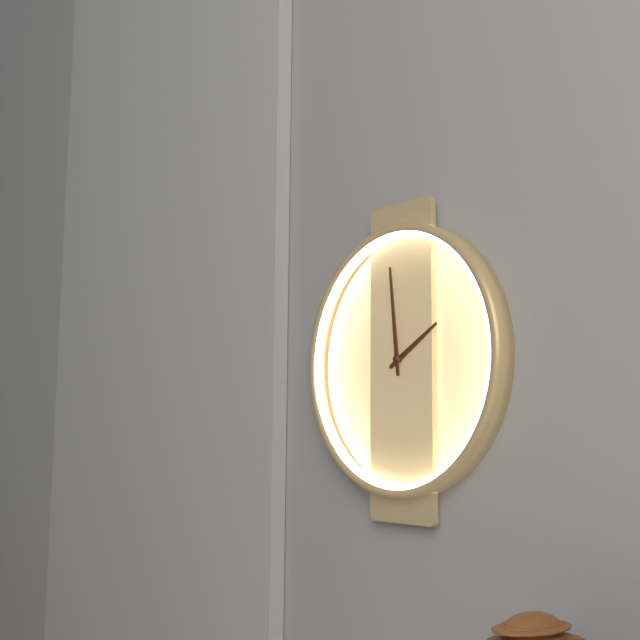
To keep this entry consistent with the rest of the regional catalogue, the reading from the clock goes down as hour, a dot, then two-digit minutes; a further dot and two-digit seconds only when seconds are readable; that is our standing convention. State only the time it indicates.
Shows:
1.59
